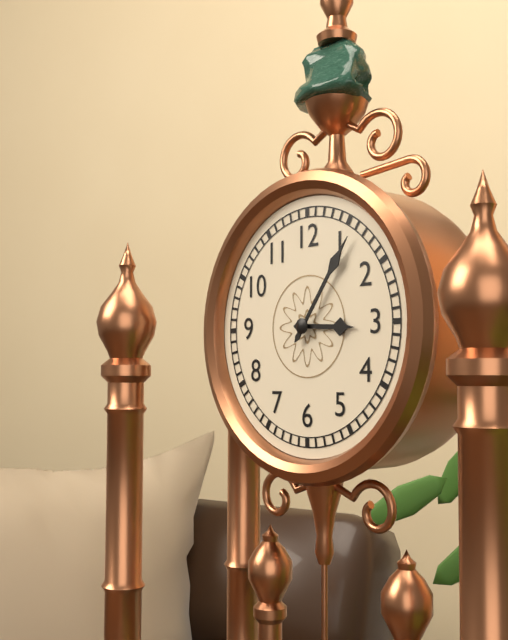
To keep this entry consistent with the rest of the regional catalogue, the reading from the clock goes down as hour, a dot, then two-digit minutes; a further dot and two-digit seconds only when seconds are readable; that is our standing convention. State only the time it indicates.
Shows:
3.06
